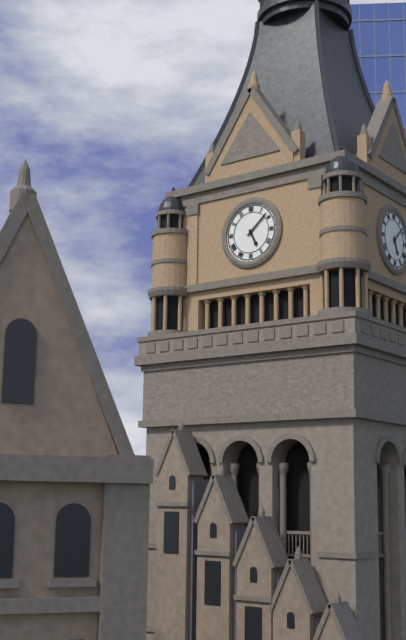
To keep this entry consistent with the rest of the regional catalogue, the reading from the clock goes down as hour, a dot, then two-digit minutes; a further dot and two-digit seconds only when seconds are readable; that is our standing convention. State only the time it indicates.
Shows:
5.08
